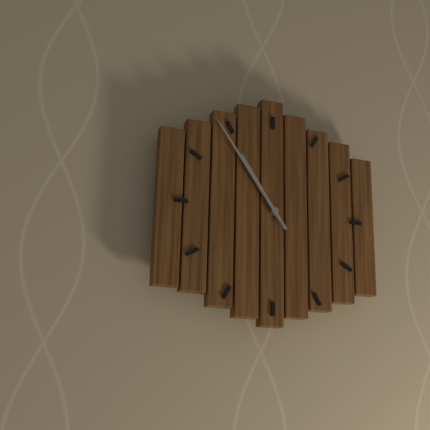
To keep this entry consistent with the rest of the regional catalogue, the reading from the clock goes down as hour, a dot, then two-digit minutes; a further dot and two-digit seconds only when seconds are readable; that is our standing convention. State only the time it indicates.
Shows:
10.54
